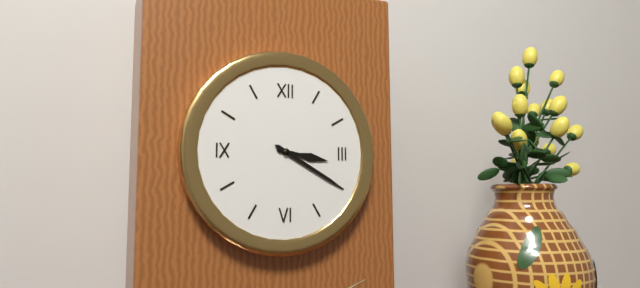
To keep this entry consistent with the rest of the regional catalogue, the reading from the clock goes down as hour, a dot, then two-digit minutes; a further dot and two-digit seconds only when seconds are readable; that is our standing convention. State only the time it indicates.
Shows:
3.20
